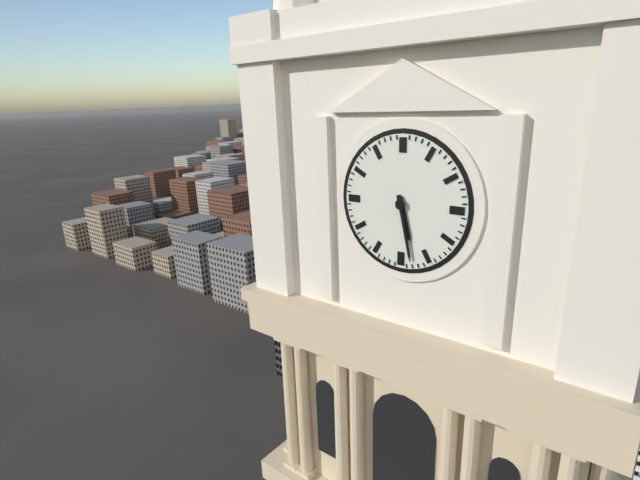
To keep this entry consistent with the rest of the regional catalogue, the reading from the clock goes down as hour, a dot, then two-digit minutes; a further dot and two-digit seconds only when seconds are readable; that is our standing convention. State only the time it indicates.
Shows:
5.28
